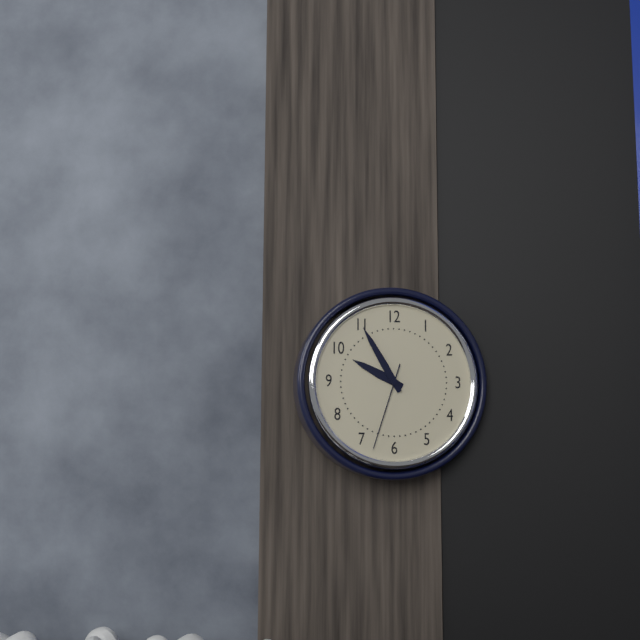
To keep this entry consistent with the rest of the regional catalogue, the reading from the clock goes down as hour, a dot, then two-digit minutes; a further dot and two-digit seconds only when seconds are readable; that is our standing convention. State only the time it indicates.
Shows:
9.55.33
